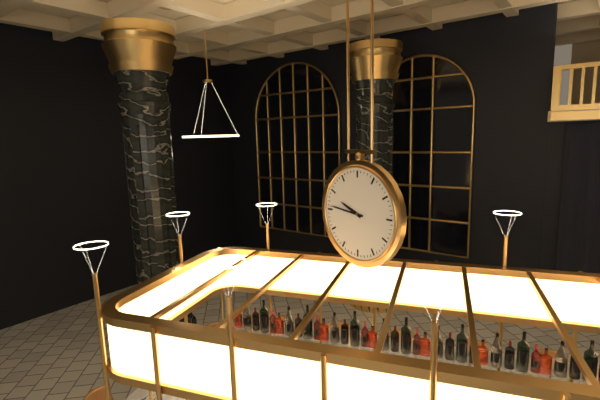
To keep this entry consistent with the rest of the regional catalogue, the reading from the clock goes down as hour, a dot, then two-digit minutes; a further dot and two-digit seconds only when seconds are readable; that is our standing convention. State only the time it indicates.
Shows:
9.46
